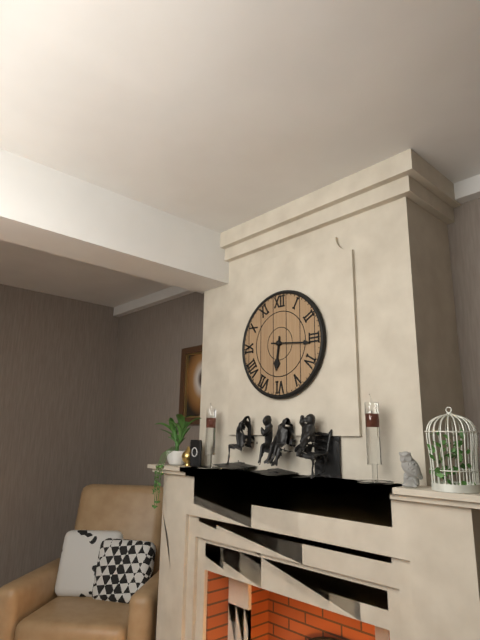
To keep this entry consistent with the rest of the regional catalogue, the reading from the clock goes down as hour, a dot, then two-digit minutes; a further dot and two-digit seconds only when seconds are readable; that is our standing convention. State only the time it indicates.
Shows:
6.16
